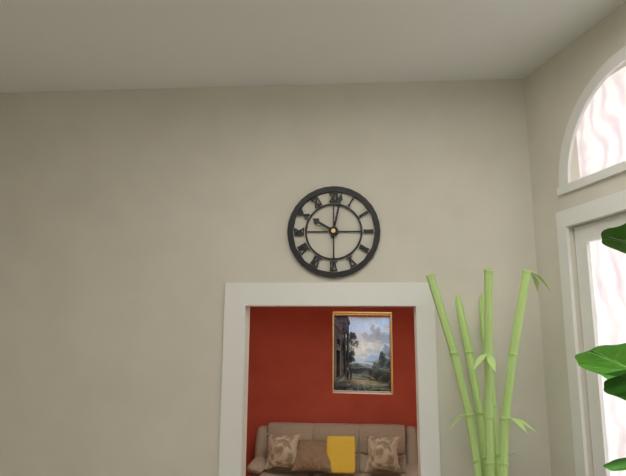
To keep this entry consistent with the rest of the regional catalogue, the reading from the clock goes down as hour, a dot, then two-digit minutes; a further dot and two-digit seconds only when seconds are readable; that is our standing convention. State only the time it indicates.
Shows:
10.02
